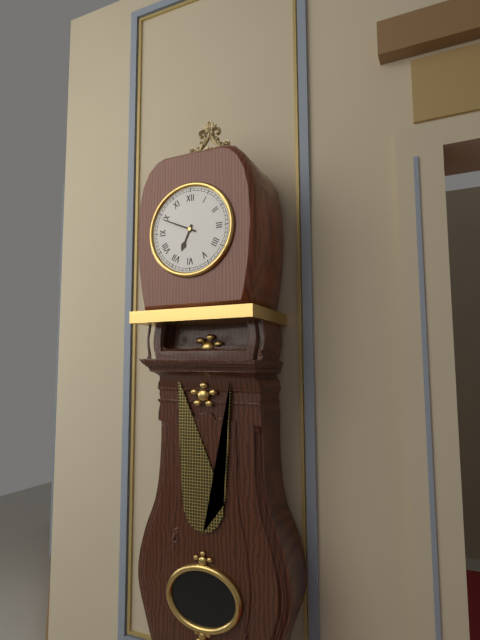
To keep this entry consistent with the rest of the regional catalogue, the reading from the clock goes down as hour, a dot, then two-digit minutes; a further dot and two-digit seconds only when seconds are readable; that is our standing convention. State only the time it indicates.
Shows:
6.49
